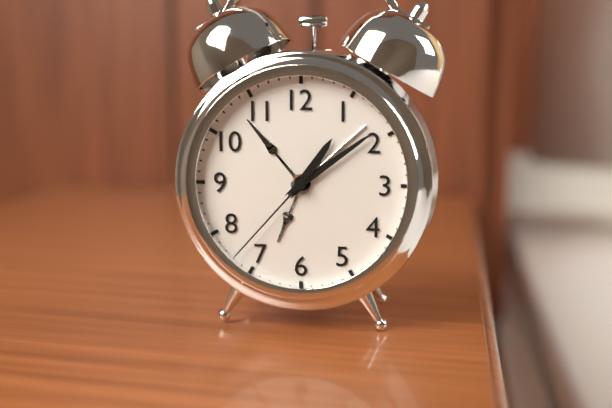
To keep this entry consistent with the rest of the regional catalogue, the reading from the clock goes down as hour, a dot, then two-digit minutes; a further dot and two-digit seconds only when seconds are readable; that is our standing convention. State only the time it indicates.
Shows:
1.09.37
